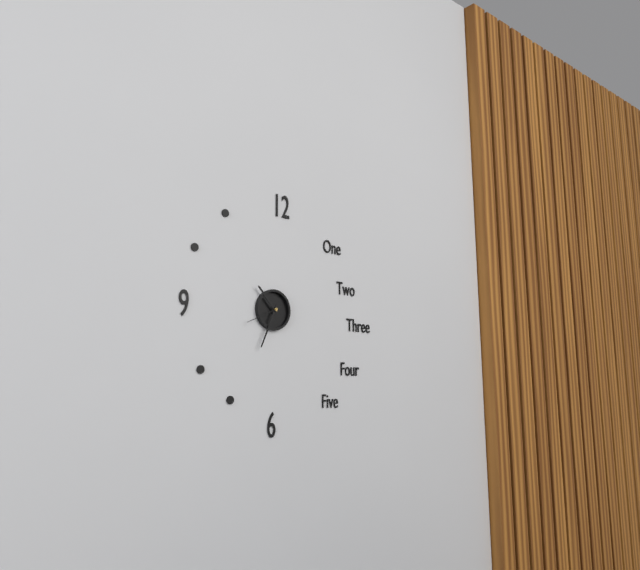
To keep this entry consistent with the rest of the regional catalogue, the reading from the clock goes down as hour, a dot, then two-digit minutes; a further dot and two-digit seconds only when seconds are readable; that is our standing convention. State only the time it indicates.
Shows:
10.34
